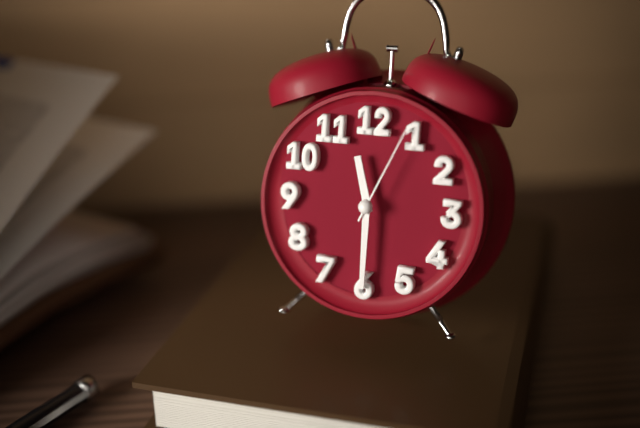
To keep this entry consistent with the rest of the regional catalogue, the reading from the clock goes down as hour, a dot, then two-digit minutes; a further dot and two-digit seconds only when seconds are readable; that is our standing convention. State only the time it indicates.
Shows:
11.30.04
